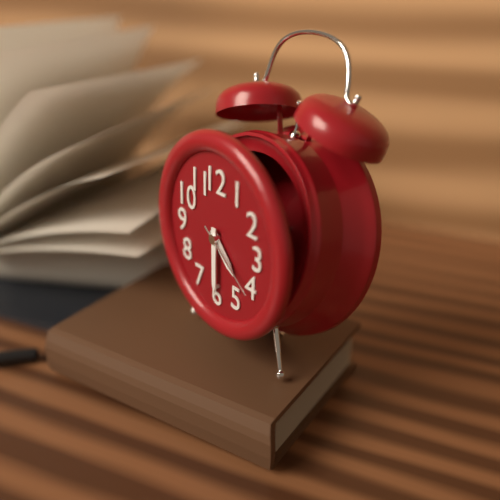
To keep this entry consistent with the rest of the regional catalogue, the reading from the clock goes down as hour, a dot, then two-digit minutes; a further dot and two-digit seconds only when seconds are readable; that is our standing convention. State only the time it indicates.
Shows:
4.30.21
